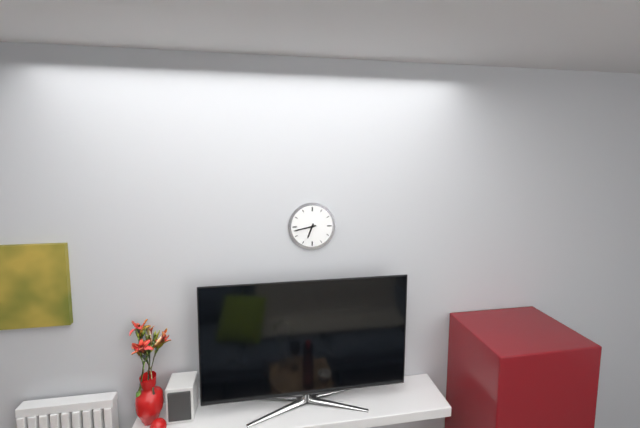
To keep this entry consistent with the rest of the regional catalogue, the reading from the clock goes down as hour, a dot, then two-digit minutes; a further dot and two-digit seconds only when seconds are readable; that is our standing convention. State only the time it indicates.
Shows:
6.43
